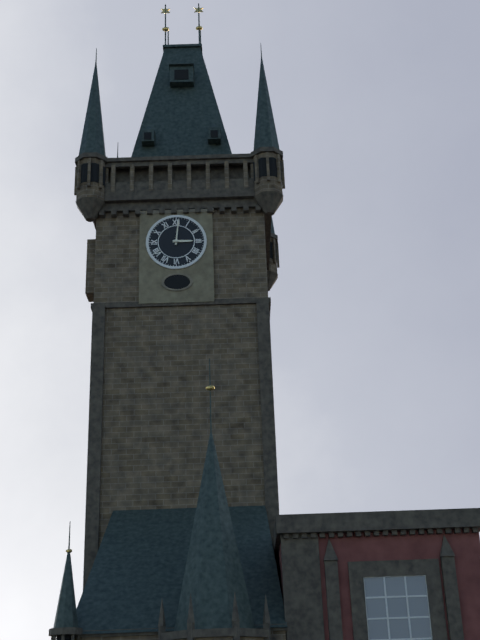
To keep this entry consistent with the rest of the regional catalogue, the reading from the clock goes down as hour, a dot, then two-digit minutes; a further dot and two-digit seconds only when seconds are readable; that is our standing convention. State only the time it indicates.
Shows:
3.01
